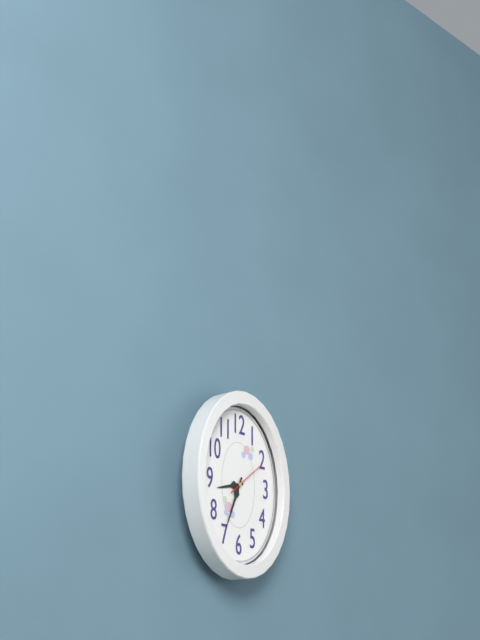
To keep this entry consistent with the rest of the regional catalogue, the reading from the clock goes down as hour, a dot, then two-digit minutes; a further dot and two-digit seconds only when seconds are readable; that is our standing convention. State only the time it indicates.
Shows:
8.34
